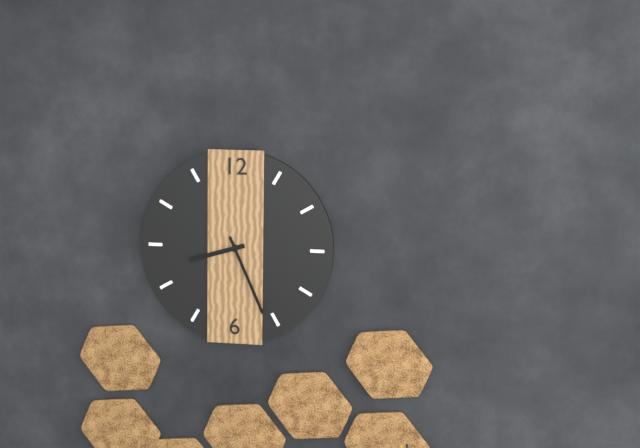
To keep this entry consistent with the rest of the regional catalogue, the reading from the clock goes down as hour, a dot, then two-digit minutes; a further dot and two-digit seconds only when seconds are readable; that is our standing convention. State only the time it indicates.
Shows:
8.26
